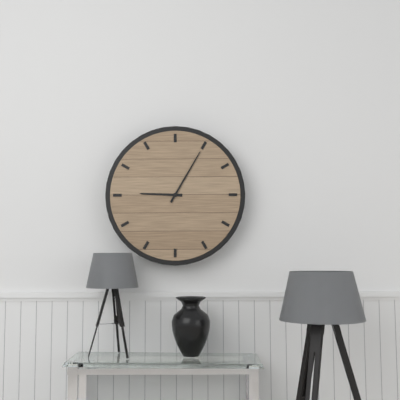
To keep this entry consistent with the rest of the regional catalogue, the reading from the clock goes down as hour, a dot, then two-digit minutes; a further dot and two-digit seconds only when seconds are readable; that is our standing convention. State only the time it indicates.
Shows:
9.05
